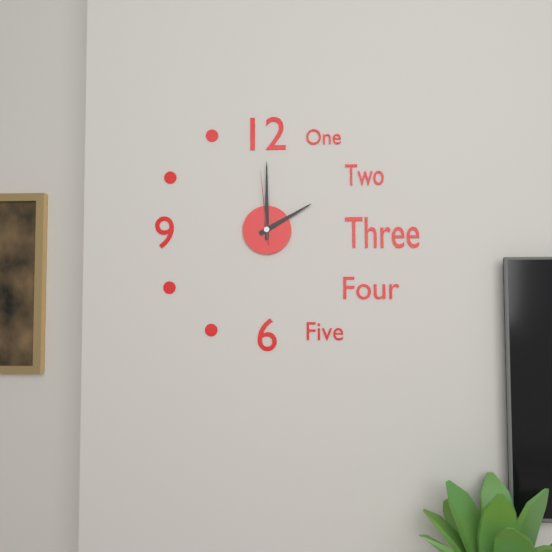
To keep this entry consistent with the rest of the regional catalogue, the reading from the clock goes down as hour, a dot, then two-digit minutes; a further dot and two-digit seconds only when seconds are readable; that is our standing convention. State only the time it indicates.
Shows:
2.00.59
